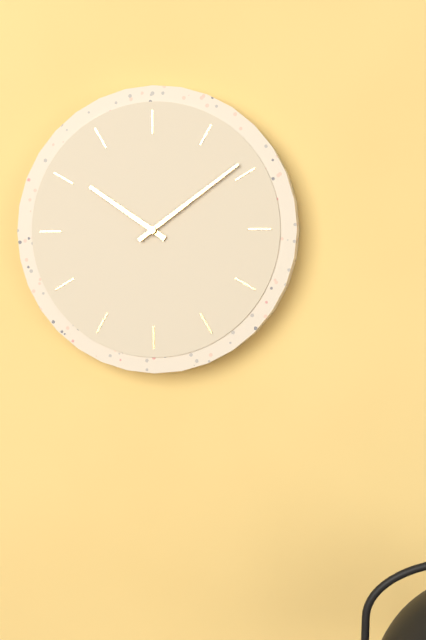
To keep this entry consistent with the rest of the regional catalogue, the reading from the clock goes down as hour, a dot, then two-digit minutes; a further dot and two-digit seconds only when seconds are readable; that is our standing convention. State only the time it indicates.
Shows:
10.09
